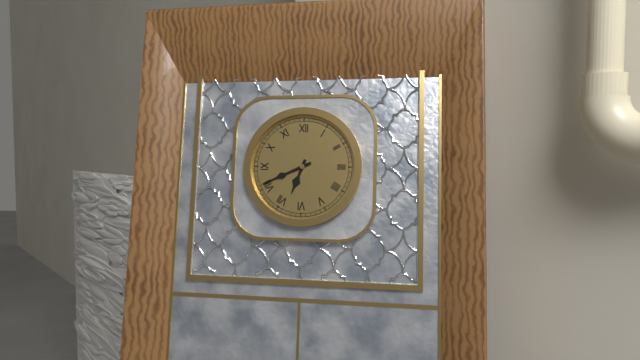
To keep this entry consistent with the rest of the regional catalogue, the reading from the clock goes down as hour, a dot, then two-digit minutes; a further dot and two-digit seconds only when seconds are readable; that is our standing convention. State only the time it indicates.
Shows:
6.41
